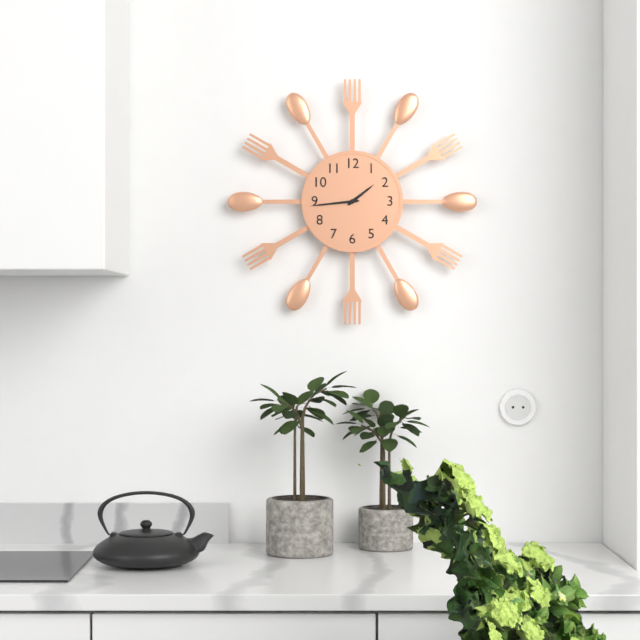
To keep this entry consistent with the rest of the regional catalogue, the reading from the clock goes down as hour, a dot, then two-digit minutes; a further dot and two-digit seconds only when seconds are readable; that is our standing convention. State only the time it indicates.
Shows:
1.44
